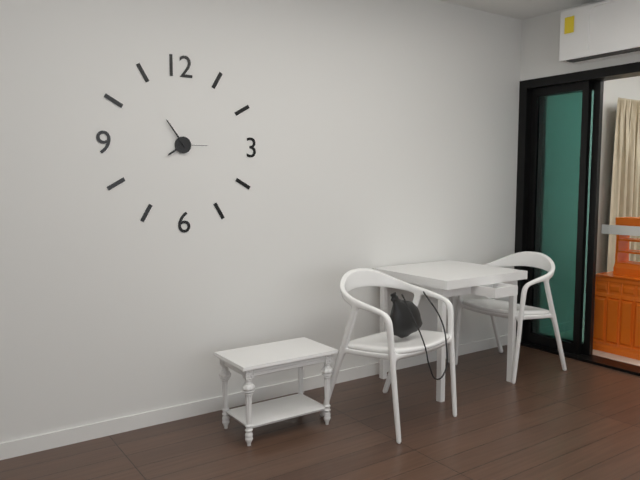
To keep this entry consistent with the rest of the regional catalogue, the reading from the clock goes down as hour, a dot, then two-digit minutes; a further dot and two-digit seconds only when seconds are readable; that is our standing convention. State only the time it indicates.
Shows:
7.54
